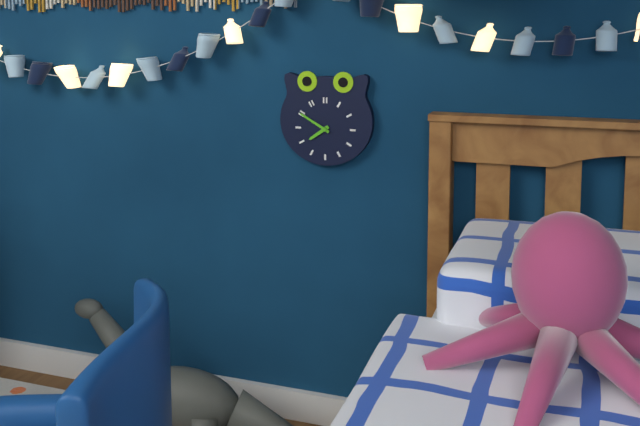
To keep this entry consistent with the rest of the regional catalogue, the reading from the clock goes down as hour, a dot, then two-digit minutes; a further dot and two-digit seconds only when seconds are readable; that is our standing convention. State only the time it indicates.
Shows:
7.50
